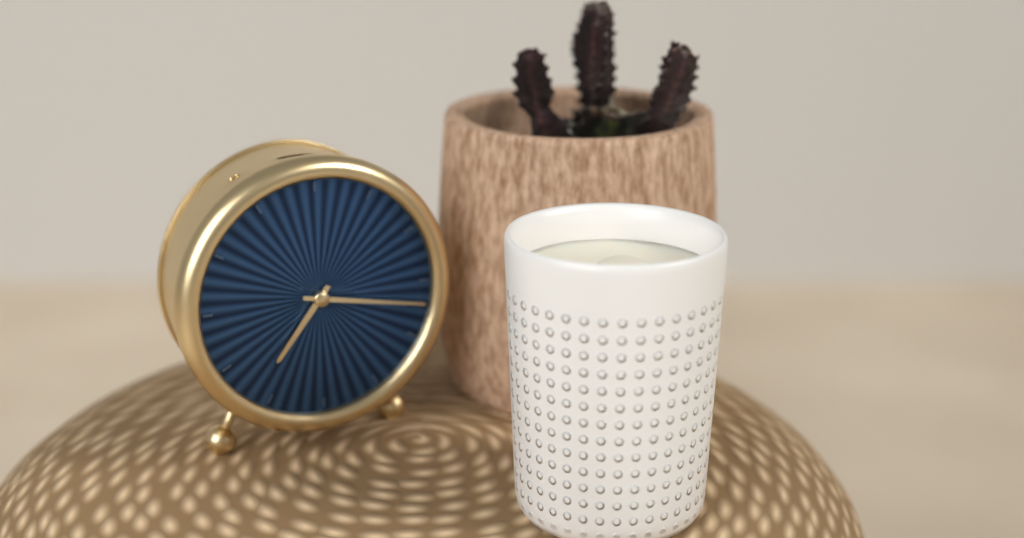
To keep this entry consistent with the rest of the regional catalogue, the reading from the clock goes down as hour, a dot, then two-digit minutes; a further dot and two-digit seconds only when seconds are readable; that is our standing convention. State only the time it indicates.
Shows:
7.17
